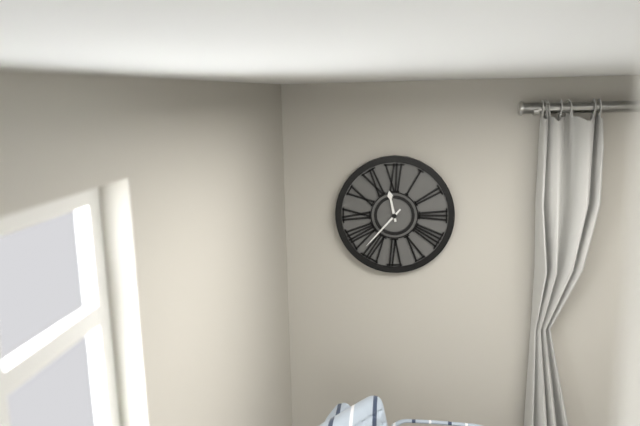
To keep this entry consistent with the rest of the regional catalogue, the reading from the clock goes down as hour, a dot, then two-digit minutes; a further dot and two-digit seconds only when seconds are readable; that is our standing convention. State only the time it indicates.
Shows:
11.37
